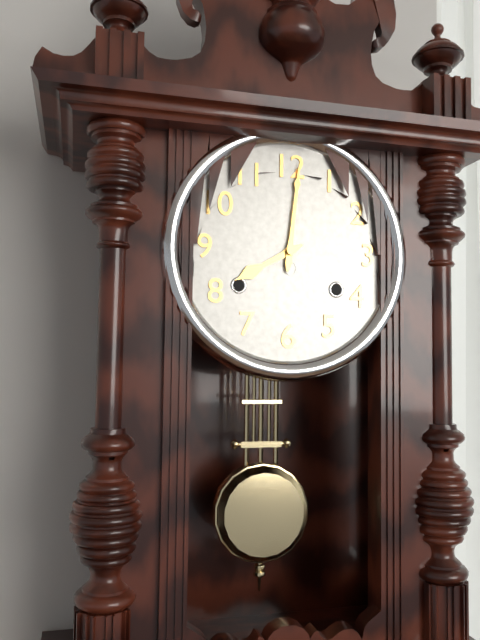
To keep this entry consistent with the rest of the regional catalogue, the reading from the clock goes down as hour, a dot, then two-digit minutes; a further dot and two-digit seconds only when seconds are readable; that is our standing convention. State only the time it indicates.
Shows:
8.01
